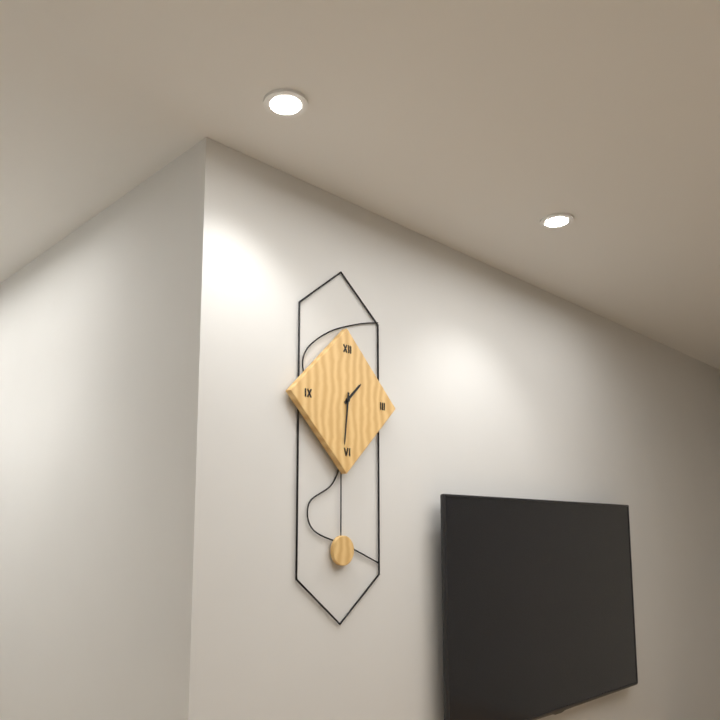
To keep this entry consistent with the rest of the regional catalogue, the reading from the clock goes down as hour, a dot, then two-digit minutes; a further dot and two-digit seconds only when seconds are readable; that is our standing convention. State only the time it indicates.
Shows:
1.31
